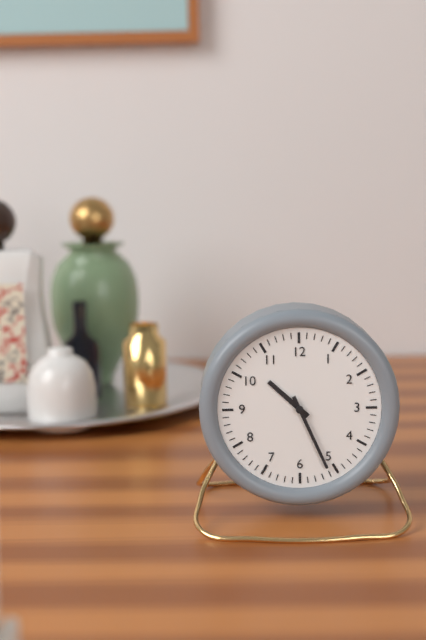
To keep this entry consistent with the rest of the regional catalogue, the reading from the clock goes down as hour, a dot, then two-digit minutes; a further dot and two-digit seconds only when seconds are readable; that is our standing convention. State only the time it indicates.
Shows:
10.26
